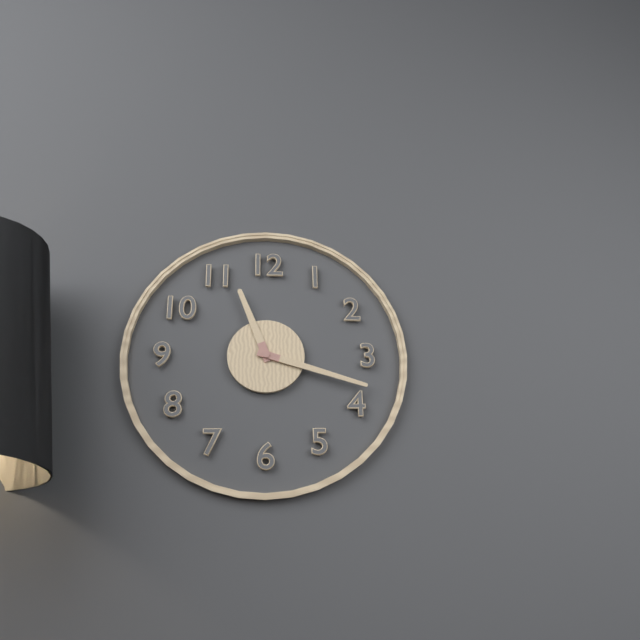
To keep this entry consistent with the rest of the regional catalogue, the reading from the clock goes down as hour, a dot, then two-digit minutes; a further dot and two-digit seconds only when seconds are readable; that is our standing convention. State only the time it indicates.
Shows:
11.18
